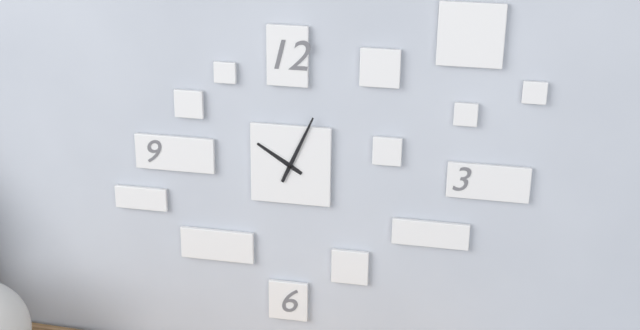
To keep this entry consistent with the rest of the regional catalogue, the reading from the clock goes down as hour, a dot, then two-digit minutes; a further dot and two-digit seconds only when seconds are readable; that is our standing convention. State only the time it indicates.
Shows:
10.04
